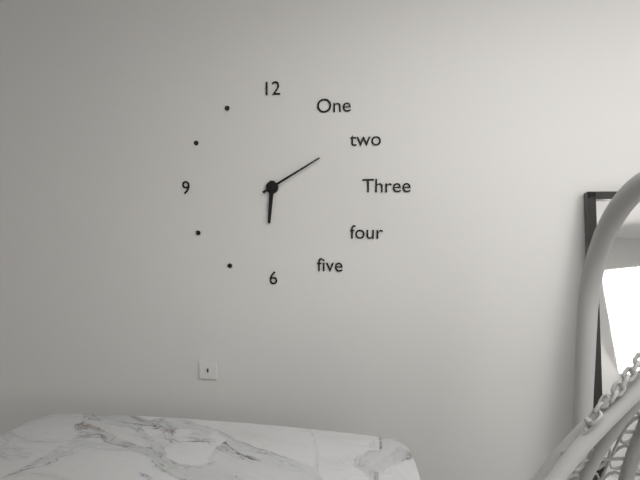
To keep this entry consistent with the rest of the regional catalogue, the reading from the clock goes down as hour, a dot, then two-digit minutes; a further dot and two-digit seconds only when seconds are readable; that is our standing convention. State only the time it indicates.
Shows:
6.10
